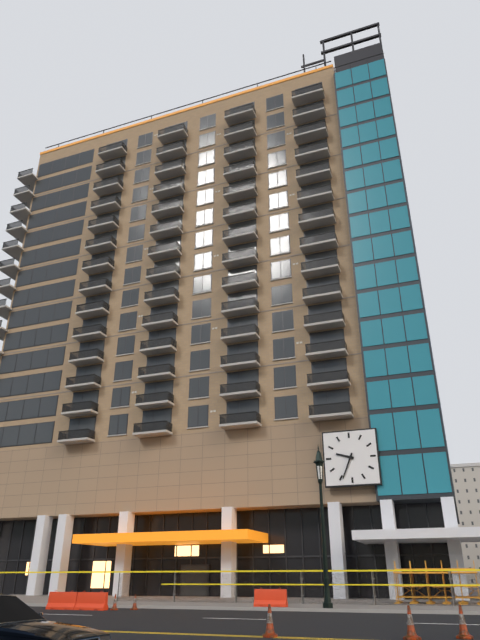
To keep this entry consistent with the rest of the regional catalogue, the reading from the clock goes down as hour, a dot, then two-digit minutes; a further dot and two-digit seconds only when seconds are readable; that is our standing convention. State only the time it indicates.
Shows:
9.34
